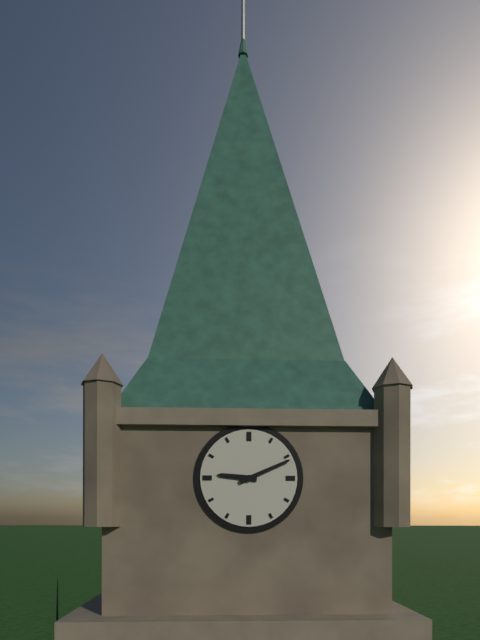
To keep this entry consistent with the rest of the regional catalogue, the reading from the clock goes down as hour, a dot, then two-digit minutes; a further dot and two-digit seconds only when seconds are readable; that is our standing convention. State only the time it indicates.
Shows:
9.11
